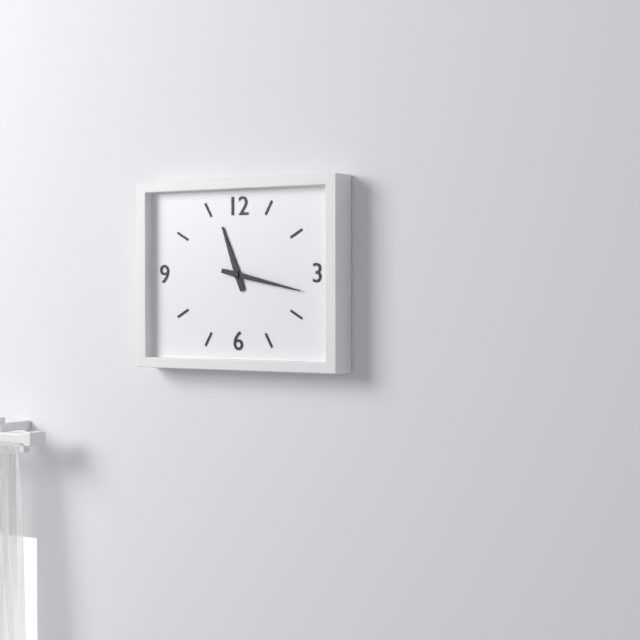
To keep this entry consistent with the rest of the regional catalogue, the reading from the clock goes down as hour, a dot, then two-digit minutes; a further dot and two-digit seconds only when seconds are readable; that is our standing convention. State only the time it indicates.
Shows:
11.17
